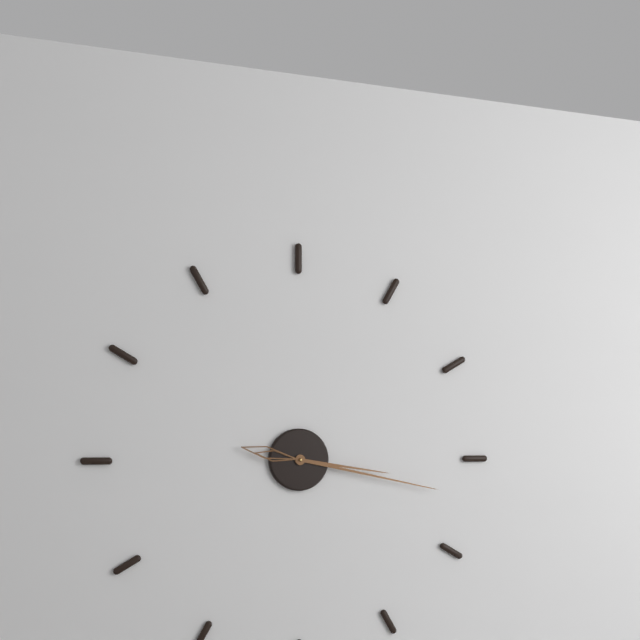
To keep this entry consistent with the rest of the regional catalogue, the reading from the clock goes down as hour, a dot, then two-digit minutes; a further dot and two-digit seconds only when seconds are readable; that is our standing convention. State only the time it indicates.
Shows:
3.17
